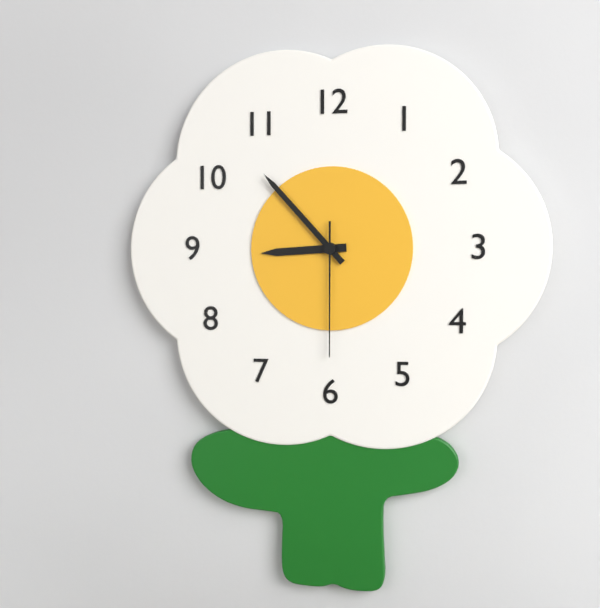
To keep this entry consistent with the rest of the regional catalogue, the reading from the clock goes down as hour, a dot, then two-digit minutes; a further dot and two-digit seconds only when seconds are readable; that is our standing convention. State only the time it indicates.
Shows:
8.53.30
